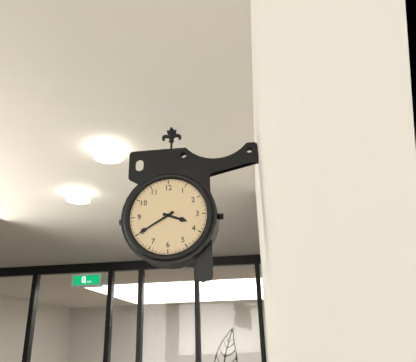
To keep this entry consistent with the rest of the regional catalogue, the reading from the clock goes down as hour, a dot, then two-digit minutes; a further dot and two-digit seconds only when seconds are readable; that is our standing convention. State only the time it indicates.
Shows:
3.40
